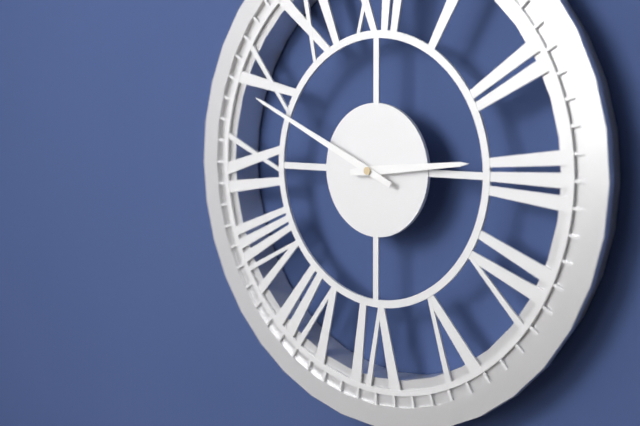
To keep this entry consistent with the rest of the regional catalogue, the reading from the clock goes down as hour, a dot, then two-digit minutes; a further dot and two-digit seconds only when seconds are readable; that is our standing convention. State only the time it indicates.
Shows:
2.49
